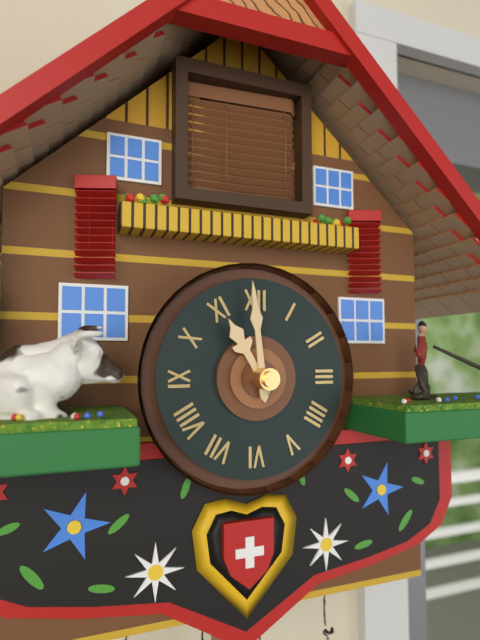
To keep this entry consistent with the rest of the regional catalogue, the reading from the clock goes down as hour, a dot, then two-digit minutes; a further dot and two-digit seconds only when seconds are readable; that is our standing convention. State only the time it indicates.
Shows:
10.59
